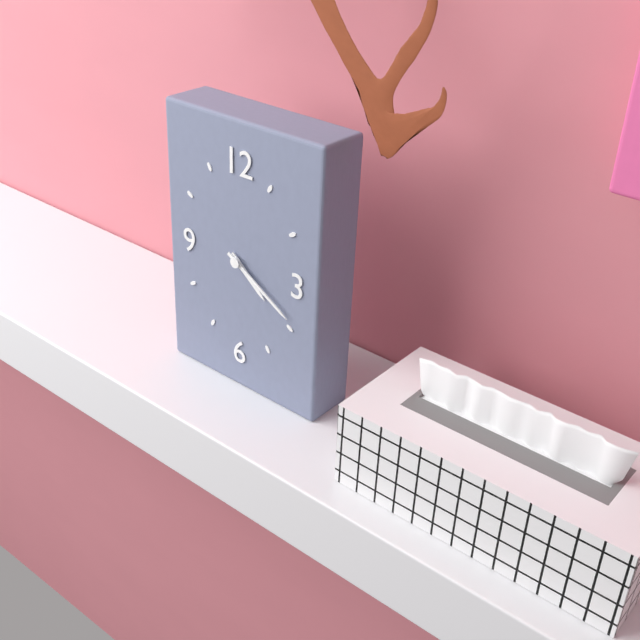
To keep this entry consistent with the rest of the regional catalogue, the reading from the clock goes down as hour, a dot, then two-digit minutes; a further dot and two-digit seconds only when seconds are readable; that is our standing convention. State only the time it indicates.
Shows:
4.20
